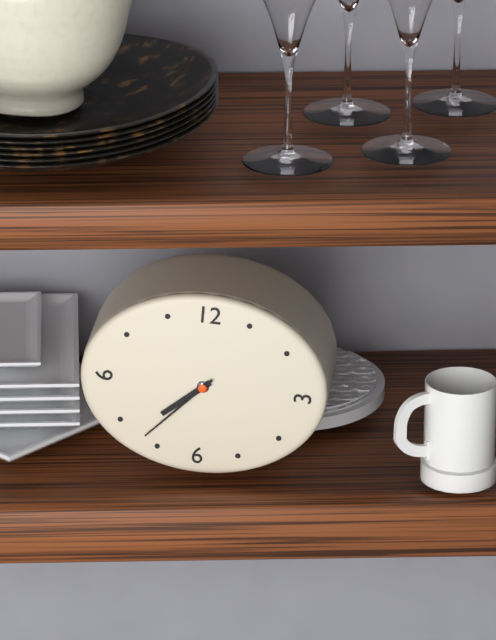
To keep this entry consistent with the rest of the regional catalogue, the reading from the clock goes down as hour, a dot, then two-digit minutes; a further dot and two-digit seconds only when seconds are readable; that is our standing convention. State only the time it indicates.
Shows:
7.37
